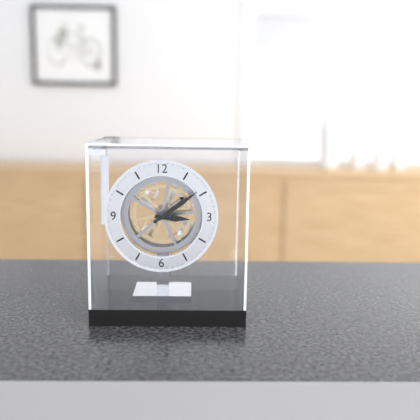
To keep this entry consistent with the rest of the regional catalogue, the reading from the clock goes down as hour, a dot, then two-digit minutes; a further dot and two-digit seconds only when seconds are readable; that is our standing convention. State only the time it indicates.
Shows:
3.09
